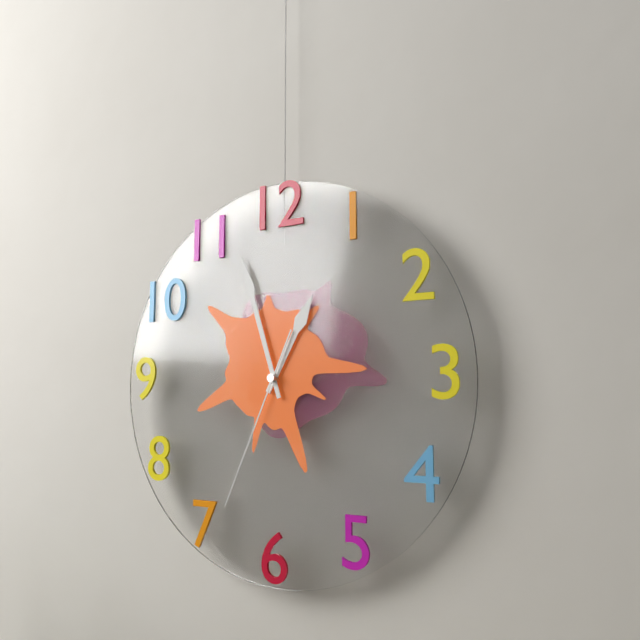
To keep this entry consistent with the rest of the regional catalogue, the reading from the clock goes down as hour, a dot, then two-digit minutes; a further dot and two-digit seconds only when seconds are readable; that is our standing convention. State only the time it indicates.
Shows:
12.57.34
